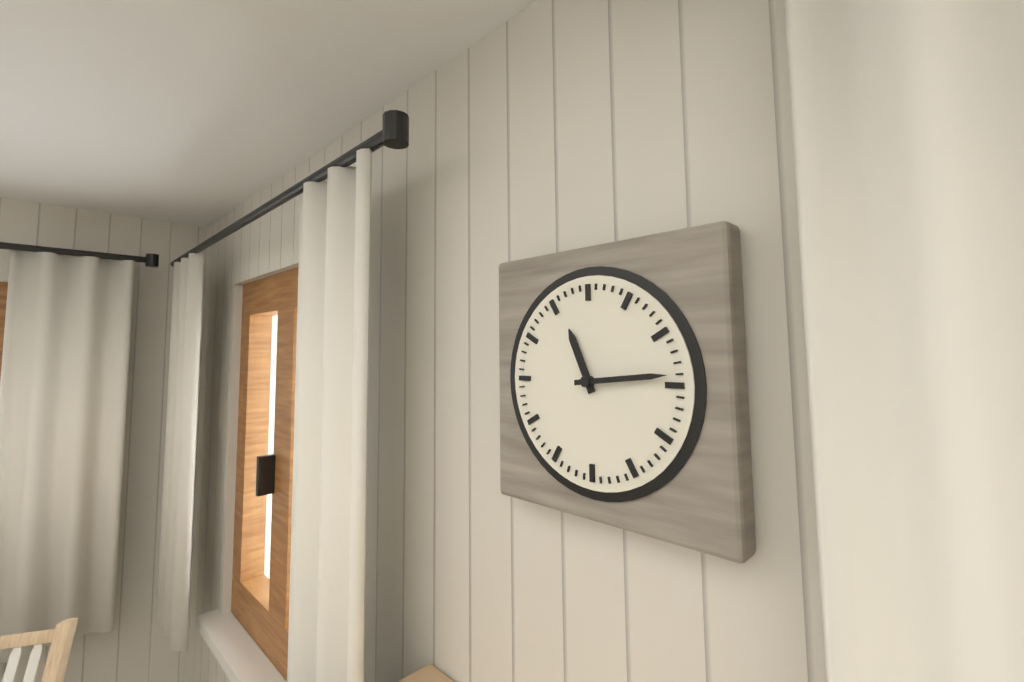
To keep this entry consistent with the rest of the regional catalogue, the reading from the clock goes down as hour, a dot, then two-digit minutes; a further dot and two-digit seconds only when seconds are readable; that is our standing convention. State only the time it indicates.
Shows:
11.14
